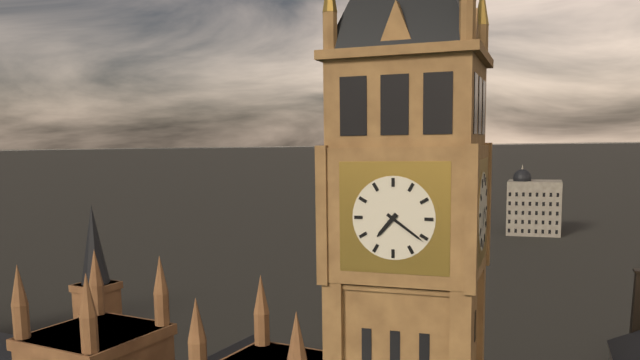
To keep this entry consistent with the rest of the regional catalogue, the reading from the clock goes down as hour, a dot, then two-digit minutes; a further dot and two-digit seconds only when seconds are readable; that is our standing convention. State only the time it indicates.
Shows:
7.21
